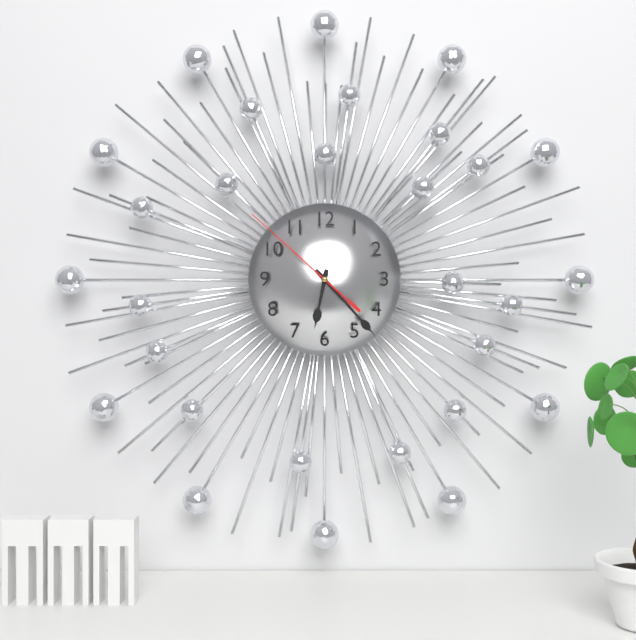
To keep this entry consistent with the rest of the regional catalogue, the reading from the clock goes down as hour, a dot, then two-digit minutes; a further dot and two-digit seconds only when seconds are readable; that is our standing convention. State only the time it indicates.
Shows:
6.23.52
